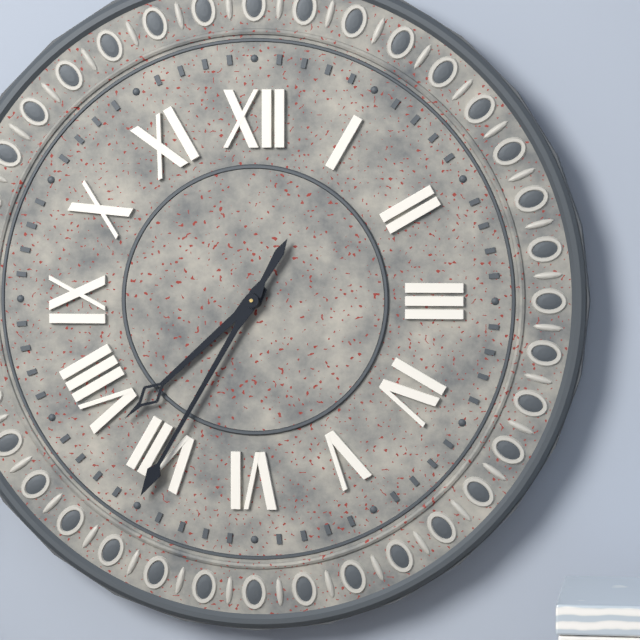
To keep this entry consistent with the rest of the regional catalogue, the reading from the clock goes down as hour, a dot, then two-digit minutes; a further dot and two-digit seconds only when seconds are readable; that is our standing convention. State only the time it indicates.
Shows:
7.35
